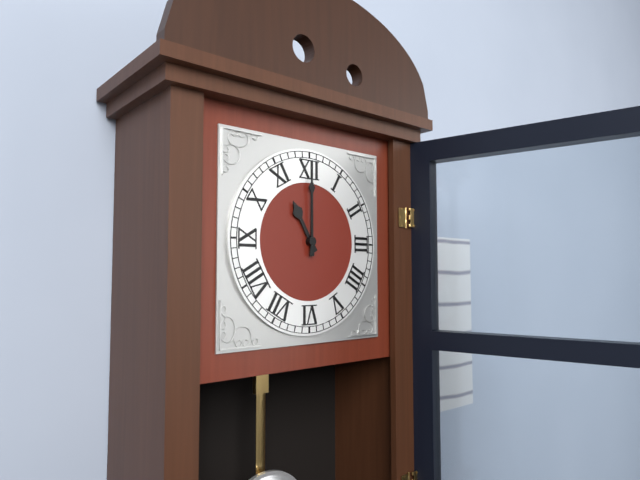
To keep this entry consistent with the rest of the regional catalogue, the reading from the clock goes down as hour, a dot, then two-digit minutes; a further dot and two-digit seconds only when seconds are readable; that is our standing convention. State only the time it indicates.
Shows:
11.00
